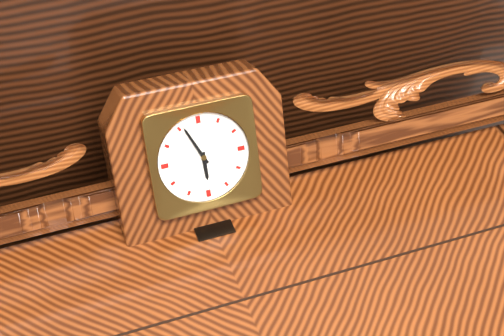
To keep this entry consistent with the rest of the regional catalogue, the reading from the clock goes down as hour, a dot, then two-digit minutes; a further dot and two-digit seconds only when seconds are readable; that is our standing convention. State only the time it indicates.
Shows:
5.56
